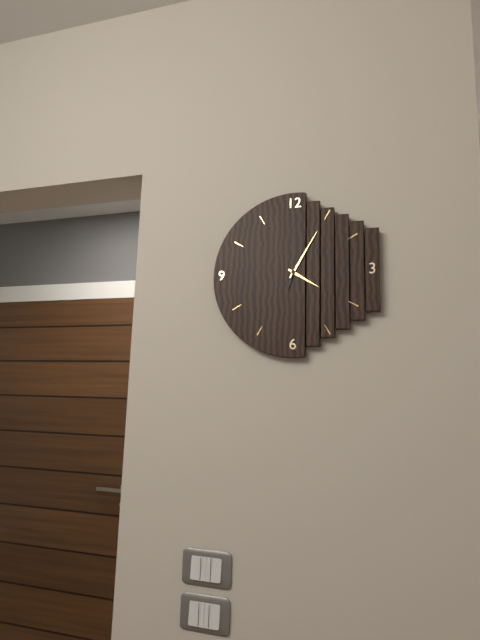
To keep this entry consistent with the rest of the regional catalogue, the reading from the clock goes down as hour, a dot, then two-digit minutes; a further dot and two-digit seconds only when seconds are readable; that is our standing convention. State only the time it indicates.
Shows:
4.05.03
